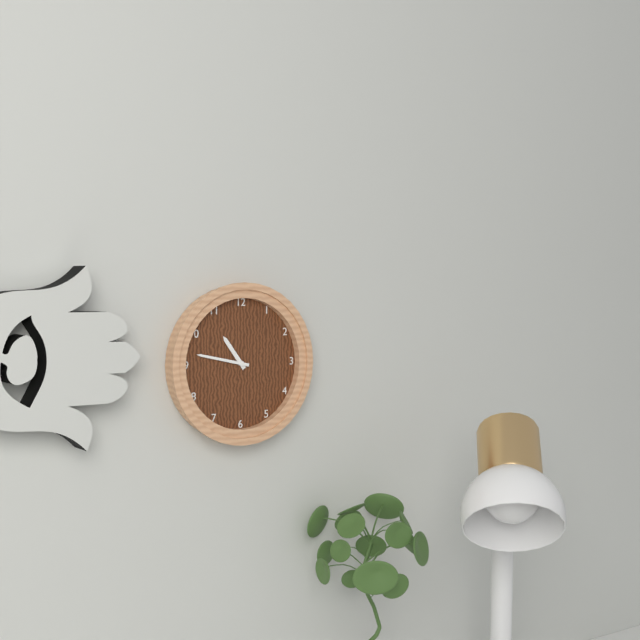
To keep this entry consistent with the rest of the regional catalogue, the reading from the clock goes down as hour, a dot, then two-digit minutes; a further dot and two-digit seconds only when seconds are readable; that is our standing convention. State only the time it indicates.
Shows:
10.47
